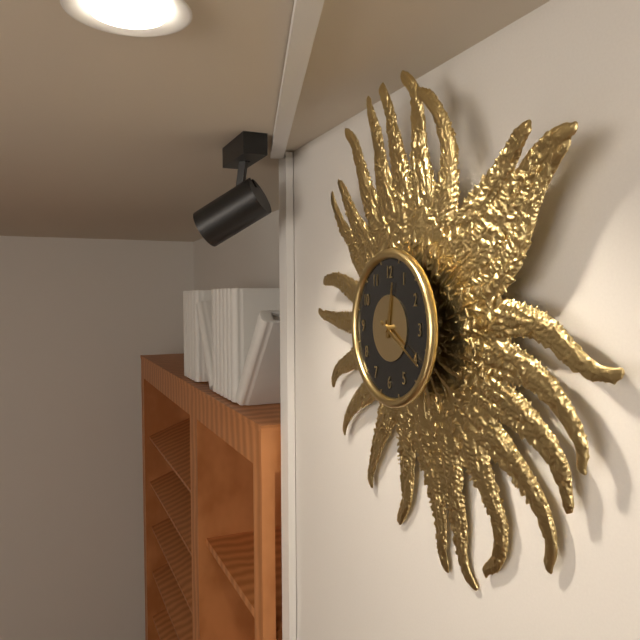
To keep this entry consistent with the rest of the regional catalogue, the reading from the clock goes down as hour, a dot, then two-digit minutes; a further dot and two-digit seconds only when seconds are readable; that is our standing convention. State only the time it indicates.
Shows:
12.20
